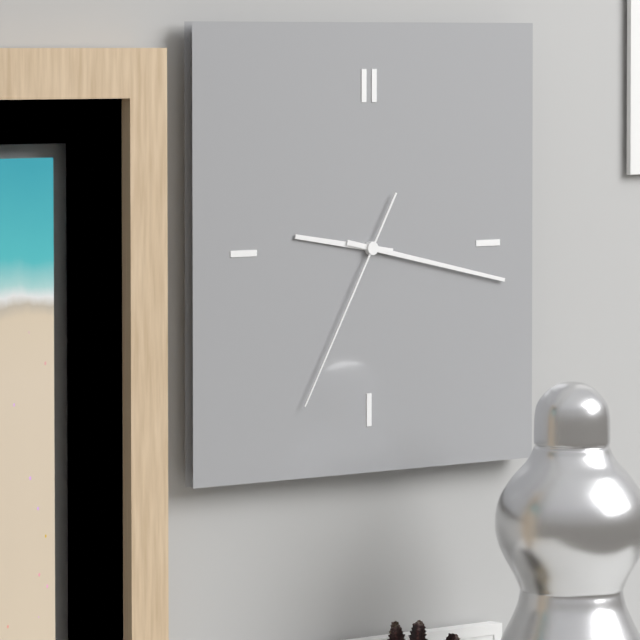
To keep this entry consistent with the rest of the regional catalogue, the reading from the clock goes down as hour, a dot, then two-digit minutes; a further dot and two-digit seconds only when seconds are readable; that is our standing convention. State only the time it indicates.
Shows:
9.17.35
